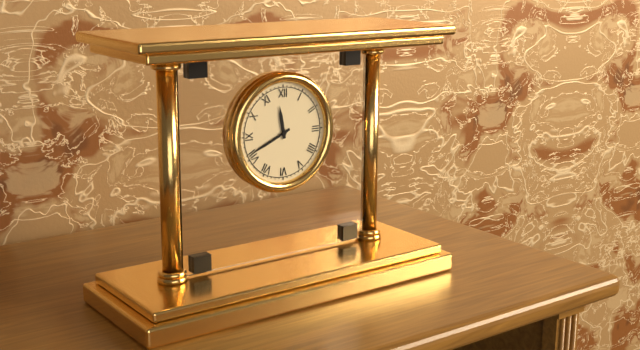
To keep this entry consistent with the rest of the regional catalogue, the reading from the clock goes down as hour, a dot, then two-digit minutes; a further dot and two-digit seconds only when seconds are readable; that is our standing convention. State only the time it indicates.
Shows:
11.41
